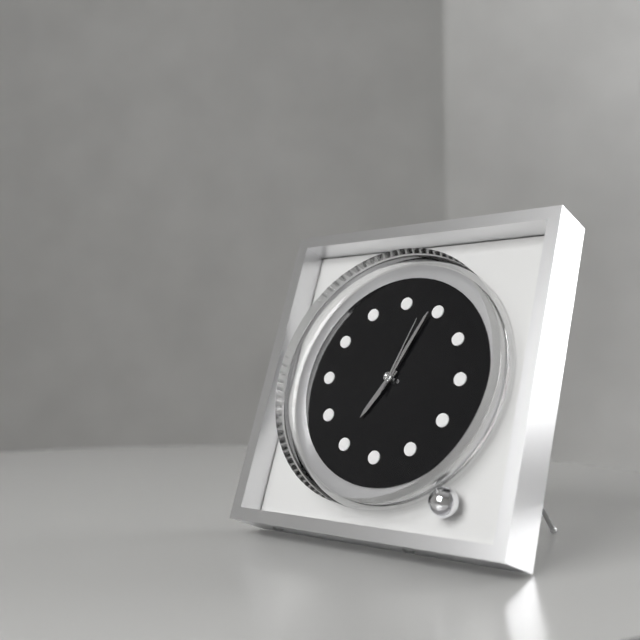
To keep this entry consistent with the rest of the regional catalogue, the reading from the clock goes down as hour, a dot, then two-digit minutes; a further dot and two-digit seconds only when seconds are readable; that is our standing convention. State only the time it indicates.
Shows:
7.04.03
